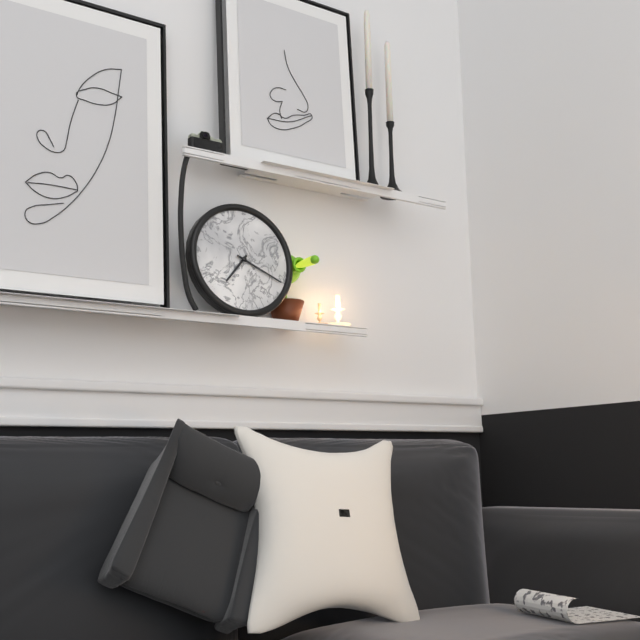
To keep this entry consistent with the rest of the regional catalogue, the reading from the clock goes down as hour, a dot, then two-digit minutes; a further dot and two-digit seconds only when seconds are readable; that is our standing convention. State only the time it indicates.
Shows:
7.19
